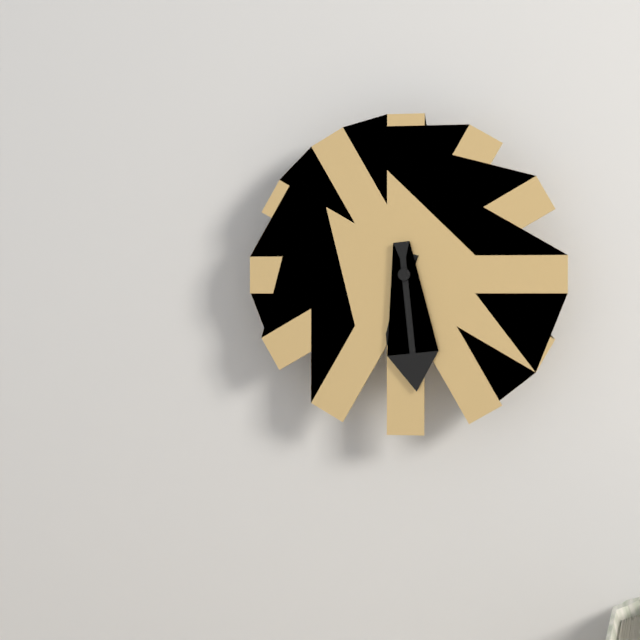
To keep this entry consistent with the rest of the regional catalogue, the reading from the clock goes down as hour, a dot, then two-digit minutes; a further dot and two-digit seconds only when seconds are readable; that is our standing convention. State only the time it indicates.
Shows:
6.29
